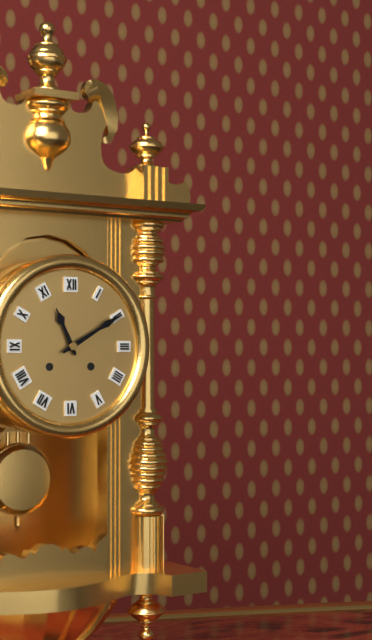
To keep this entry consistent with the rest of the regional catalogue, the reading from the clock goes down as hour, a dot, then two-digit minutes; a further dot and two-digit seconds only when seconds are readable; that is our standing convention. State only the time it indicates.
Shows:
11.10
